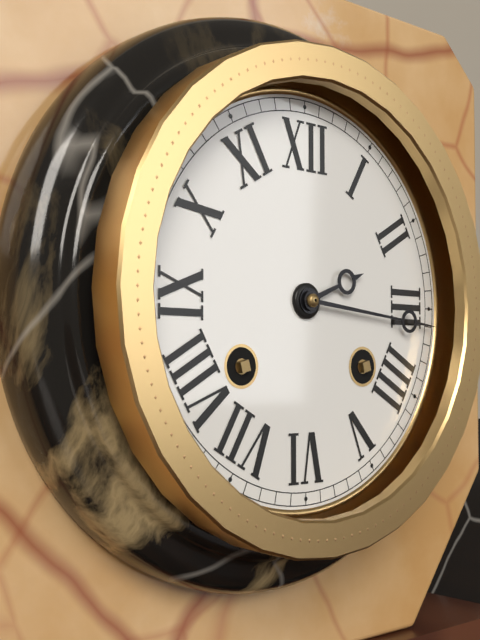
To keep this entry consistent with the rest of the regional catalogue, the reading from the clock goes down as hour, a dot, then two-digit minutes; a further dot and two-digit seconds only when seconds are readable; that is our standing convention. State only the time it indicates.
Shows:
2.16
